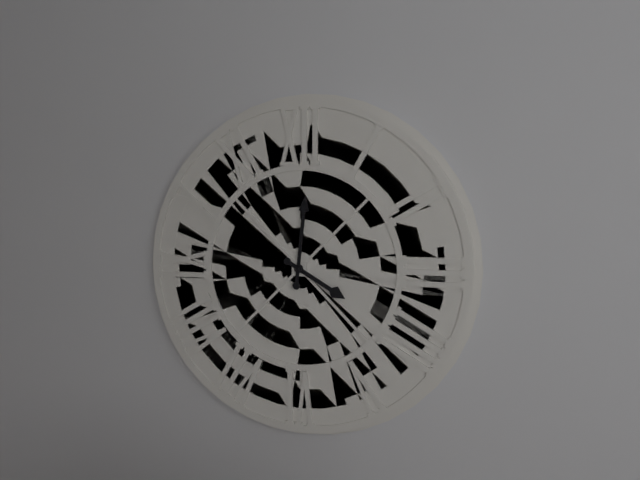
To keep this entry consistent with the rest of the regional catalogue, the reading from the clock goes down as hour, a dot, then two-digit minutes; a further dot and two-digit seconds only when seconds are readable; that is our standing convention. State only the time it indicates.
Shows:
4.01
